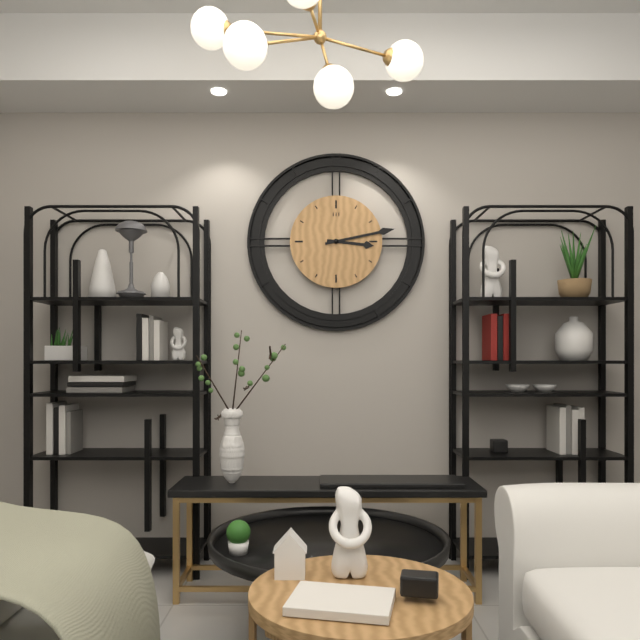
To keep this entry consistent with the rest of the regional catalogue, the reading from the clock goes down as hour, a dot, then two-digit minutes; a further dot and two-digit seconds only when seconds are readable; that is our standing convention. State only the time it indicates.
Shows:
3.13
